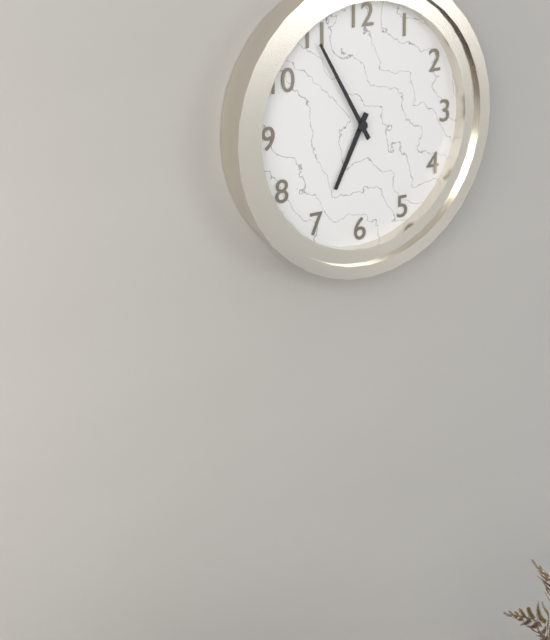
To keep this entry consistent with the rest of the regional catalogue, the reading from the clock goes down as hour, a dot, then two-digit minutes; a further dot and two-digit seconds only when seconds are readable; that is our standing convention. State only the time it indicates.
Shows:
6.55
